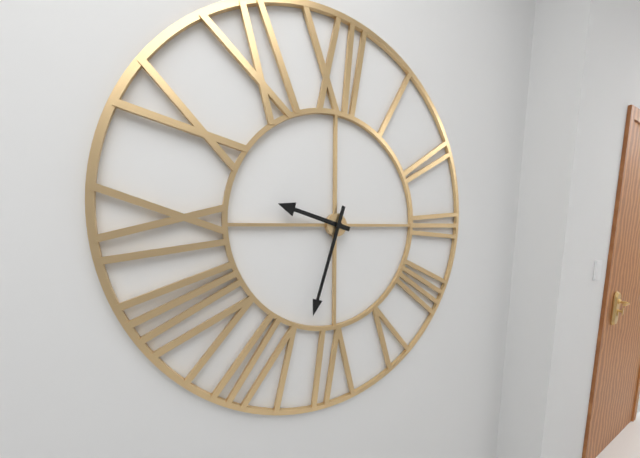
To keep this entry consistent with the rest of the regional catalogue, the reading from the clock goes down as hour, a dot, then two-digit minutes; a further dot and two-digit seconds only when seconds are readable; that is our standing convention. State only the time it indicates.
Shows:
9.33
